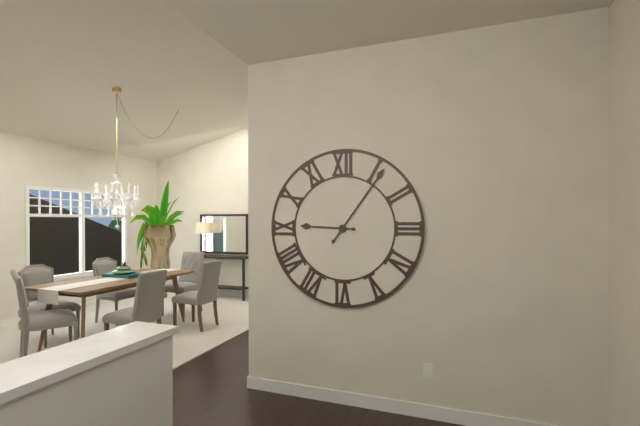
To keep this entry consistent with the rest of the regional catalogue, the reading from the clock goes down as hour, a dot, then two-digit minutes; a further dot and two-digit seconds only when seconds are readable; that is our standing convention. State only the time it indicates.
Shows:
9.06
